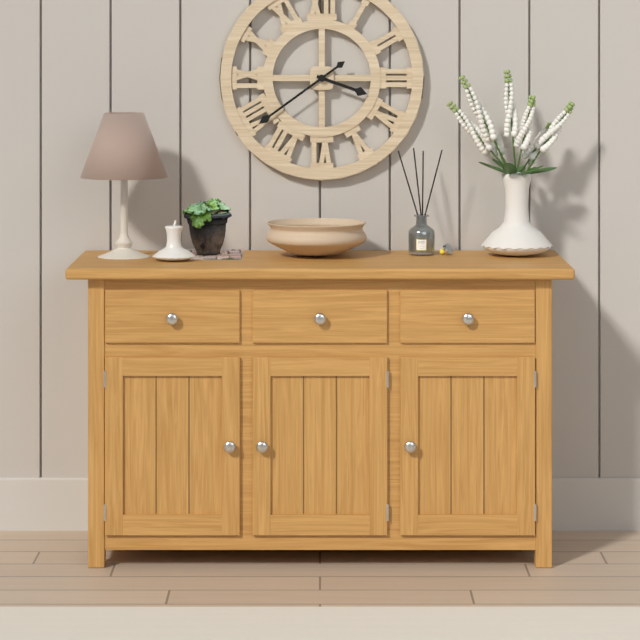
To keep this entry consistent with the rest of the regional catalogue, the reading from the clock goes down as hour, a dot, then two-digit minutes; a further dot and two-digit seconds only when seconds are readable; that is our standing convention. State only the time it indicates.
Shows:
3.39
